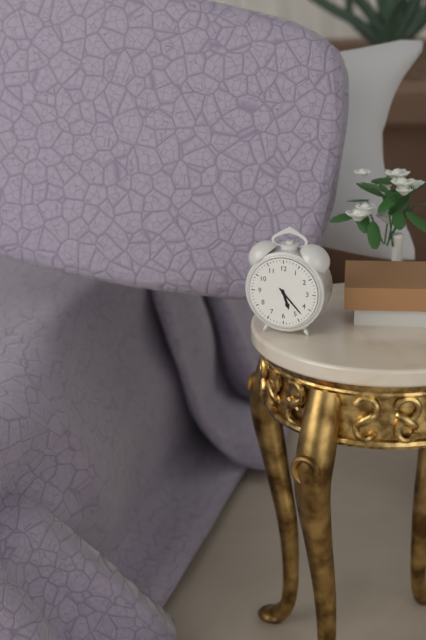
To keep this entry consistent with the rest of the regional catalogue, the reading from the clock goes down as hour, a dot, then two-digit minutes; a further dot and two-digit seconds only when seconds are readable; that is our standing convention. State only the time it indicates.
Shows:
5.23
